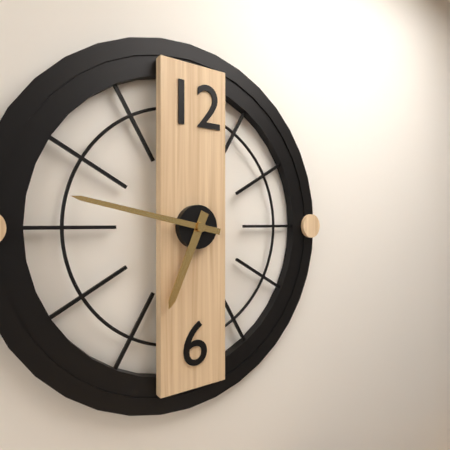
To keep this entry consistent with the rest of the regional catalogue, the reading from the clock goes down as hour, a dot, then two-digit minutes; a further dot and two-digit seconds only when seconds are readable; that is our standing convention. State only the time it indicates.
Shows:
6.47
